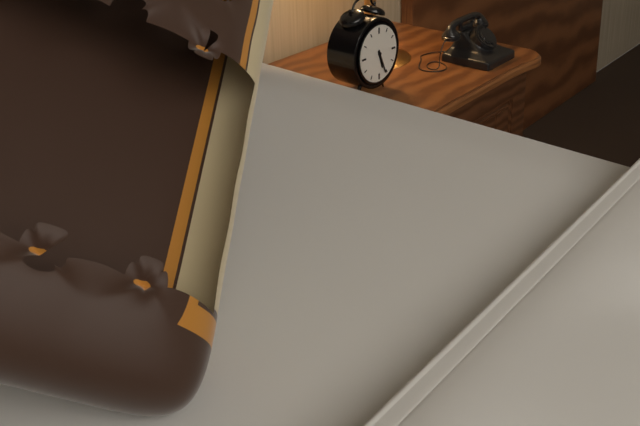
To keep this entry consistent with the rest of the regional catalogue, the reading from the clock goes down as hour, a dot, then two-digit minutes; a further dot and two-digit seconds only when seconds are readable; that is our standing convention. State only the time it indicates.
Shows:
5.26
